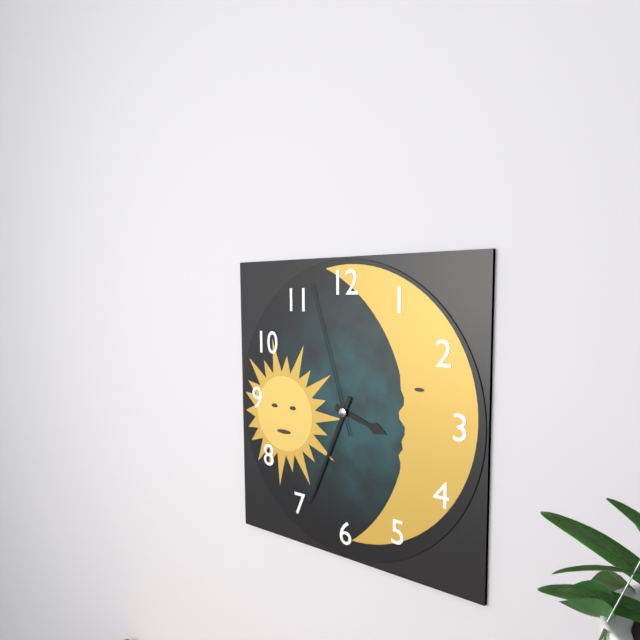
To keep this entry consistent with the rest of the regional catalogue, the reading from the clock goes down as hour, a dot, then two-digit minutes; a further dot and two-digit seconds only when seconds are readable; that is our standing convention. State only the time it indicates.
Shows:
3.34.57
